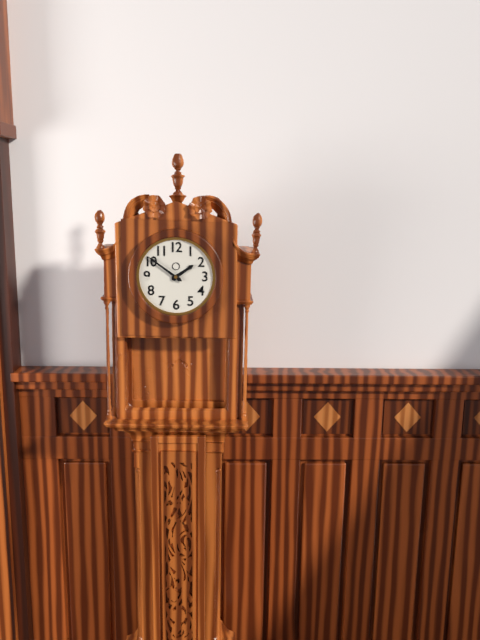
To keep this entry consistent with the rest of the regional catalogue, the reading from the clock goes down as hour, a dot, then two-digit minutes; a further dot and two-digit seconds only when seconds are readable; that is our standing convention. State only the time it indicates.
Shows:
1.51
